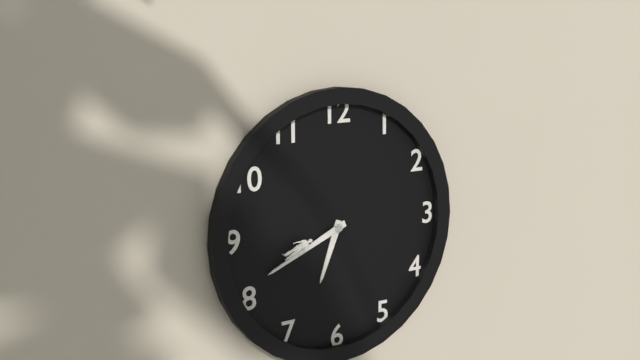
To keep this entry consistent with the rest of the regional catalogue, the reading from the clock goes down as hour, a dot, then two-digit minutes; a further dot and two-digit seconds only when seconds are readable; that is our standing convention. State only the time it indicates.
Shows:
6.41
